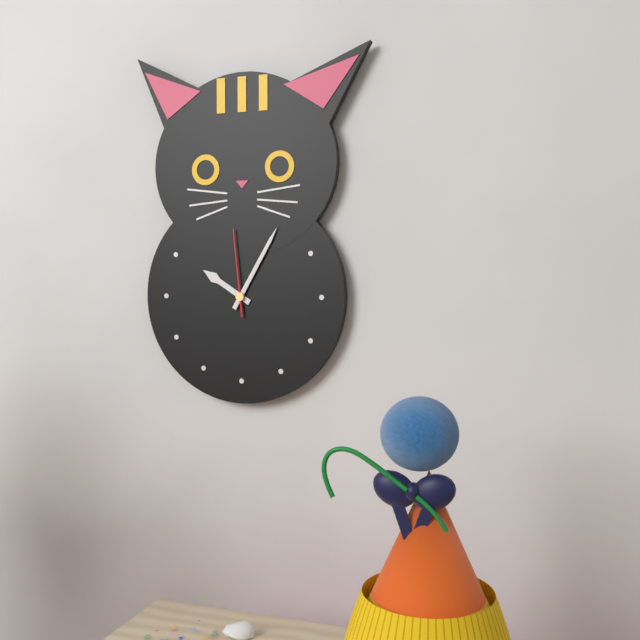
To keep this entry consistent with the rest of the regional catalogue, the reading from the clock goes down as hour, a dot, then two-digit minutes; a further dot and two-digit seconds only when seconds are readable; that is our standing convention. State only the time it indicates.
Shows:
10.05.59
